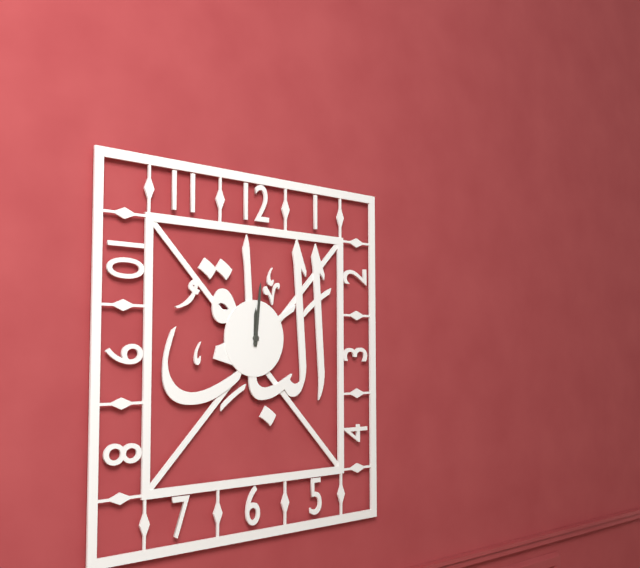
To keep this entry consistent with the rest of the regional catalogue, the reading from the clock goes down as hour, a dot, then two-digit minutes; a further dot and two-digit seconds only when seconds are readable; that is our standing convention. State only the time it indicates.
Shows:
12.01
